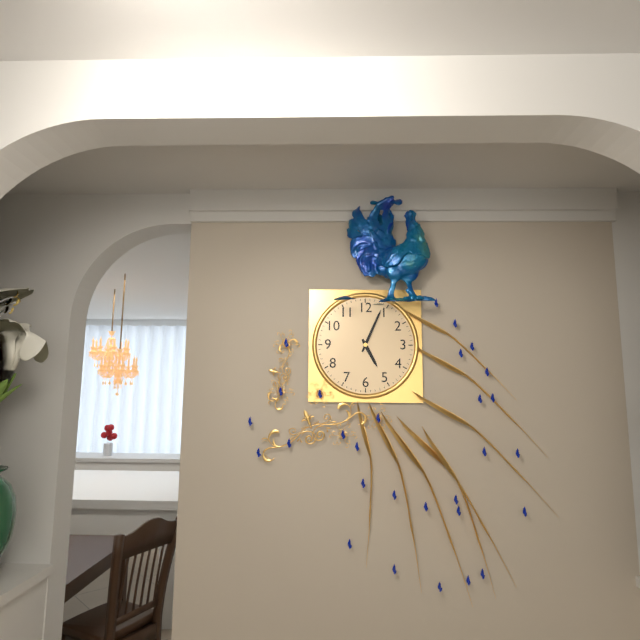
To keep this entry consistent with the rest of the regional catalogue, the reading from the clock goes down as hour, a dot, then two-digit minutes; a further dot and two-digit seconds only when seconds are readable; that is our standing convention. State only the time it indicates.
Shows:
5.04
